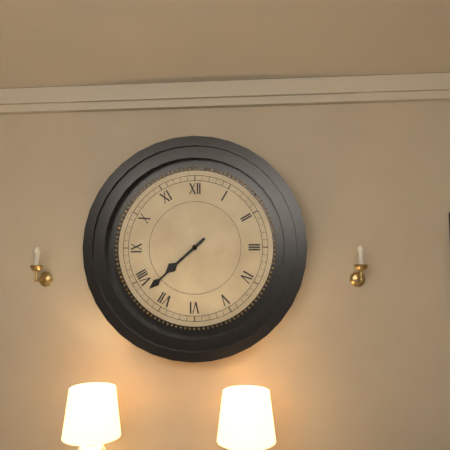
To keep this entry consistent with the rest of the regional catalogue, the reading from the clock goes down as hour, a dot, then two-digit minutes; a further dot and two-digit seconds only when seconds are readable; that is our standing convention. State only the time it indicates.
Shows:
7.38
